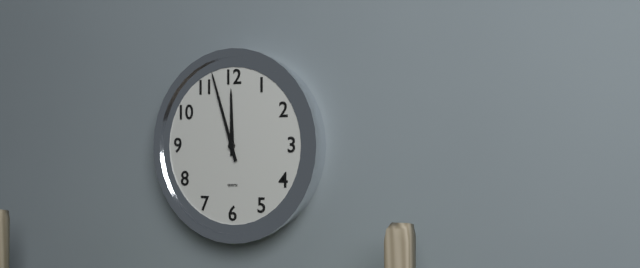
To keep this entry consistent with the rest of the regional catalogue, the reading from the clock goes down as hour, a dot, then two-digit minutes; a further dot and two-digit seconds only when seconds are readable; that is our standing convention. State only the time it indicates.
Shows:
11.57
